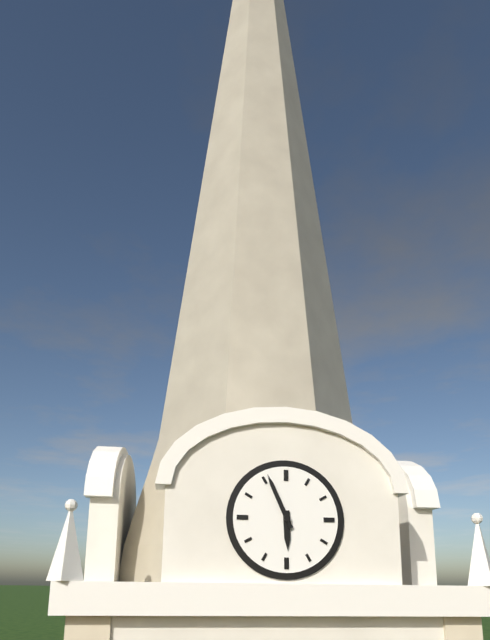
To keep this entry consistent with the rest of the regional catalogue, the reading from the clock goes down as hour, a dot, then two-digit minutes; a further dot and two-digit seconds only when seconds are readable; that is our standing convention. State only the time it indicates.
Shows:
5.56
